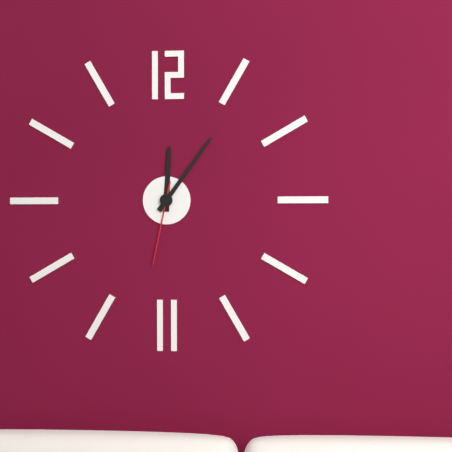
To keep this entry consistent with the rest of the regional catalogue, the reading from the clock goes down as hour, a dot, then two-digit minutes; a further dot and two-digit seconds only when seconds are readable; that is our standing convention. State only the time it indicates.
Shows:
12.06.32
